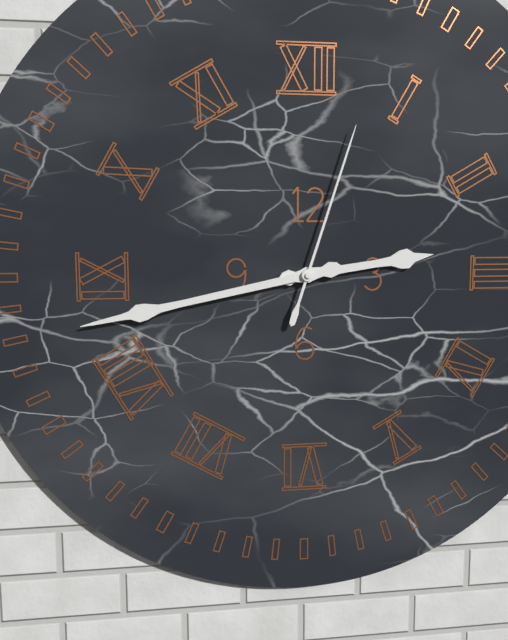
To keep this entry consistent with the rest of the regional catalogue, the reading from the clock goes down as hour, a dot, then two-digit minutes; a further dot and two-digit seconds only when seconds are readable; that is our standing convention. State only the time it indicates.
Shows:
2.43.03
